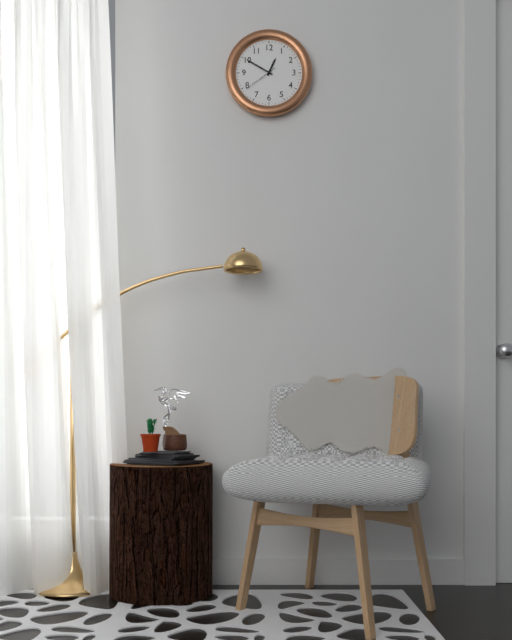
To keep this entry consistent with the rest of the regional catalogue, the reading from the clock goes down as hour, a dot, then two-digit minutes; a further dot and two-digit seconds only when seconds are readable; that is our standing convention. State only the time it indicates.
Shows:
12.50
